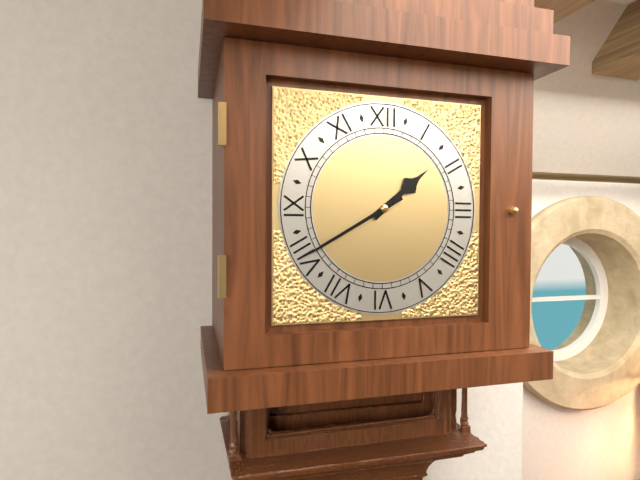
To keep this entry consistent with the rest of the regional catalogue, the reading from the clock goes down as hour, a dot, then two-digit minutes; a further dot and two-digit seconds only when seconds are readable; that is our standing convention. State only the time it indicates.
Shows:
1.40
